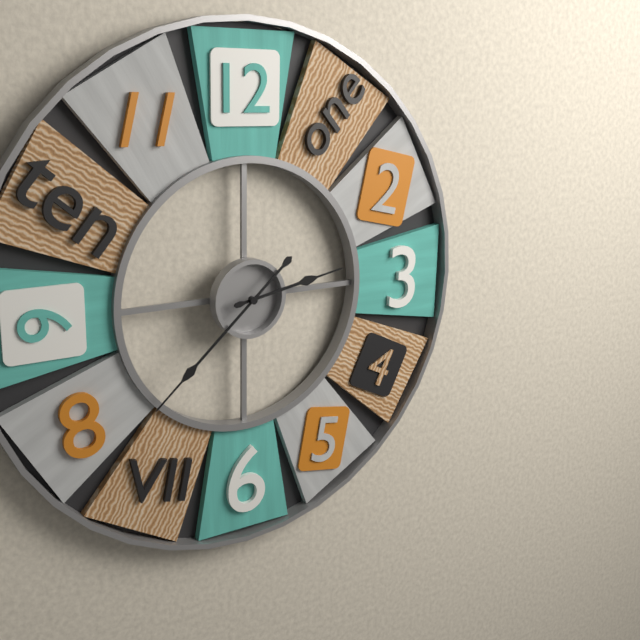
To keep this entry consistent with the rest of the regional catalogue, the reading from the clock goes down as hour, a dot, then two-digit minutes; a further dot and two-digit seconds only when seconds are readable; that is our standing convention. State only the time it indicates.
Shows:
2.38
